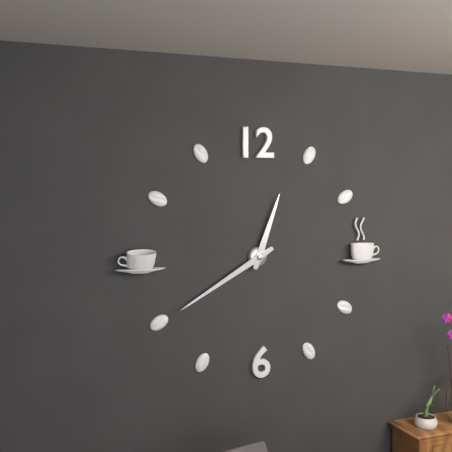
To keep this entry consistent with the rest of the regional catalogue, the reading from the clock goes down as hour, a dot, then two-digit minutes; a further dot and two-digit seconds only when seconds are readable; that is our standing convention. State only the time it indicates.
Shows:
12.40
